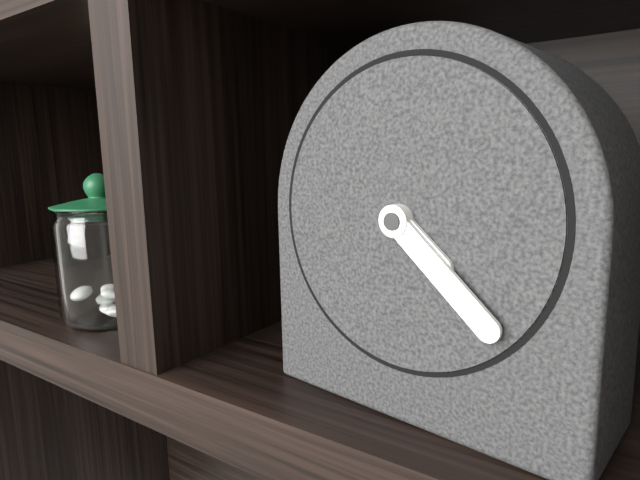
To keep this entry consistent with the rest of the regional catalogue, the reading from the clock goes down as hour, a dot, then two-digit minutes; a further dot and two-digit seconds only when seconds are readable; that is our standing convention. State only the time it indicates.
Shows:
4.22
